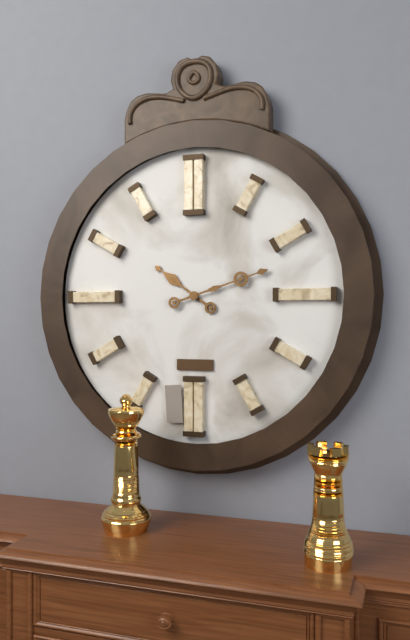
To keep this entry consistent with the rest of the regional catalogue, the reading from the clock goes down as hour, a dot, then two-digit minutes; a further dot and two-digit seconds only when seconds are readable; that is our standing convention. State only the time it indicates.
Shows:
10.12
